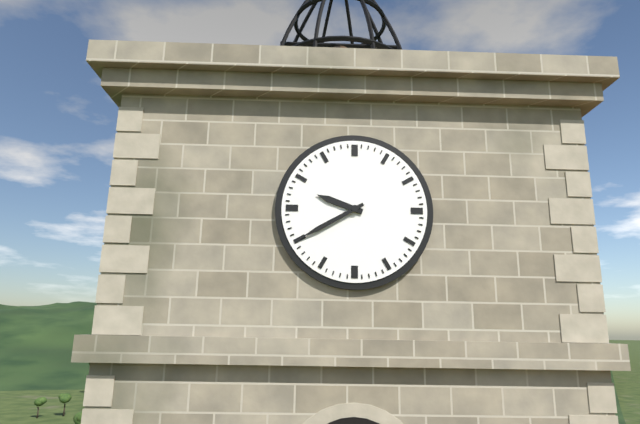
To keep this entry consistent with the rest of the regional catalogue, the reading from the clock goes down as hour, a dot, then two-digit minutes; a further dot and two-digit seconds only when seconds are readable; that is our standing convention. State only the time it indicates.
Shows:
9.40
